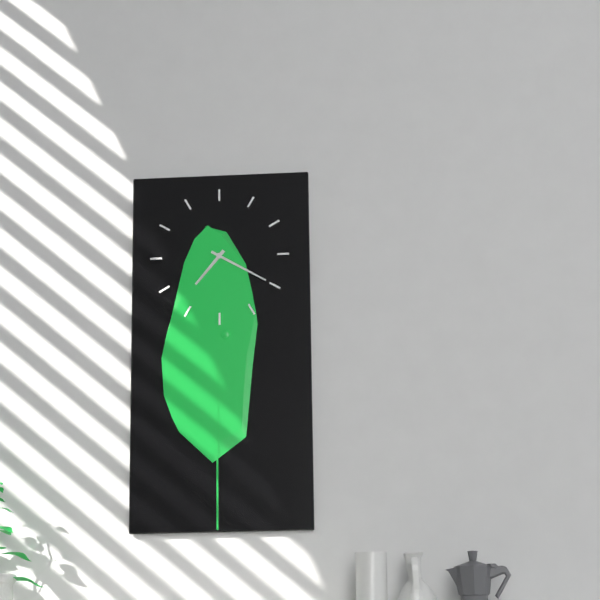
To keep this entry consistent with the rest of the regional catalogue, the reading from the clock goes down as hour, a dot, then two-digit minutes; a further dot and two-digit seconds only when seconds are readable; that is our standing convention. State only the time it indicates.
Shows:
7.20
